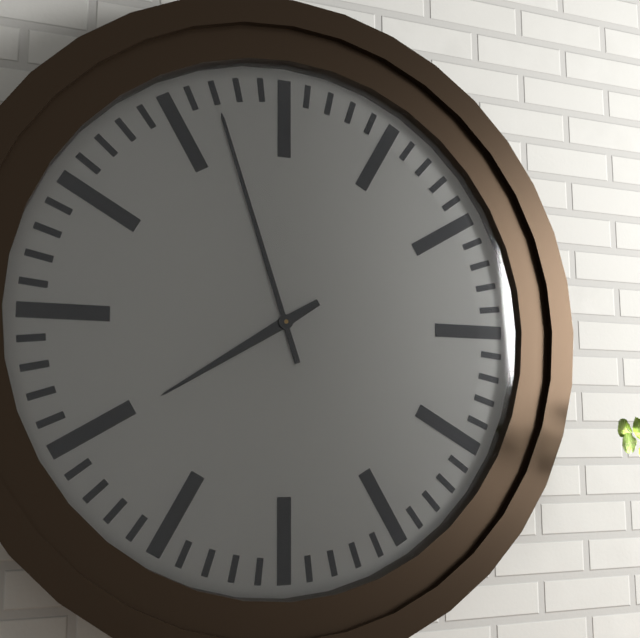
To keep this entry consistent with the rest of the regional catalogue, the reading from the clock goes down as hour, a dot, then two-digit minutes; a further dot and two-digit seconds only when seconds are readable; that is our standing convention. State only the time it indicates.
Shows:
7.57
